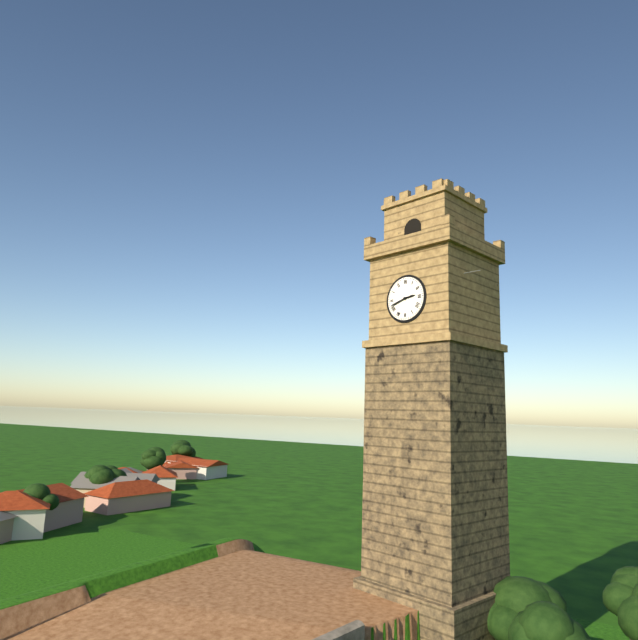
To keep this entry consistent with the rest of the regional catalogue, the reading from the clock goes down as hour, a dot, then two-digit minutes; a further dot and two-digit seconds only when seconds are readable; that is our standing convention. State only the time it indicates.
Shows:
2.42
